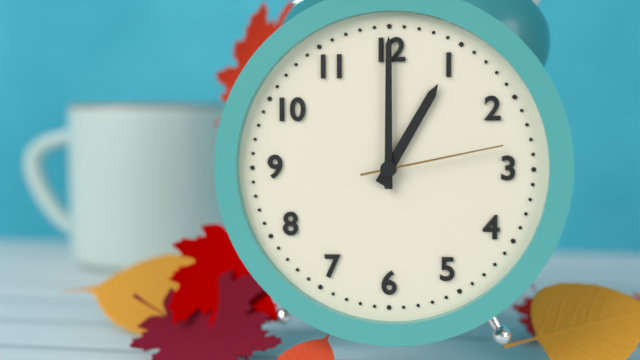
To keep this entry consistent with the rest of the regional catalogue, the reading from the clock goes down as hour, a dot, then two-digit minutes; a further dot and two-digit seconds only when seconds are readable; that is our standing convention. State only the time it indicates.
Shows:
1.00.13
